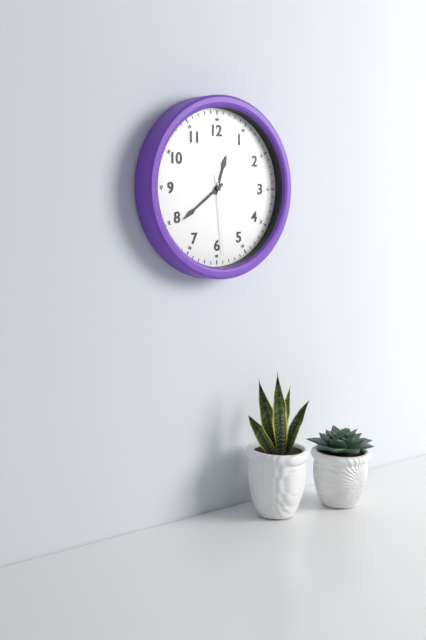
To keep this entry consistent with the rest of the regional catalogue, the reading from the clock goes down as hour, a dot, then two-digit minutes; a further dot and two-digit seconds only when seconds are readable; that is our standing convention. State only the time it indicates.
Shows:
12.39.29
